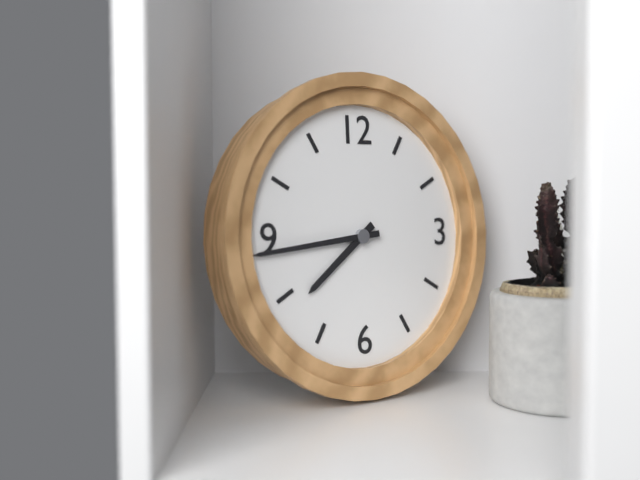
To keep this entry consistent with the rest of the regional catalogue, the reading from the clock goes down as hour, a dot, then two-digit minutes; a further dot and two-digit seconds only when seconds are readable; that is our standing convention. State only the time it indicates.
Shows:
7.44
